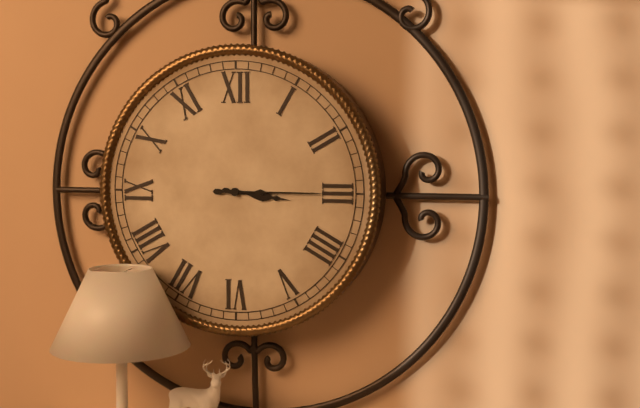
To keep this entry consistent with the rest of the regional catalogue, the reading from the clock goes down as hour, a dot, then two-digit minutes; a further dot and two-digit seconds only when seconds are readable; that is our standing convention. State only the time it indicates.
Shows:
3.15
